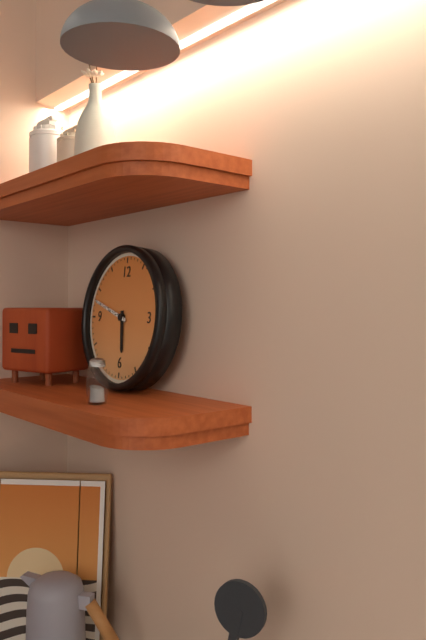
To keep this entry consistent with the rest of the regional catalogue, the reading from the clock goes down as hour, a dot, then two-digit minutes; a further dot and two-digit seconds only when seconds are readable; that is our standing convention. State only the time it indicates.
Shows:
5.48
